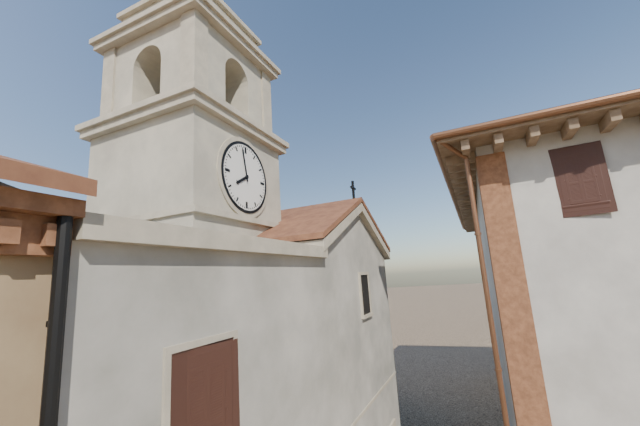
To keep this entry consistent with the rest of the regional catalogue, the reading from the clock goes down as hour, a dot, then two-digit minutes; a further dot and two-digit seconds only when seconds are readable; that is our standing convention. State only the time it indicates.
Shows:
7.58
